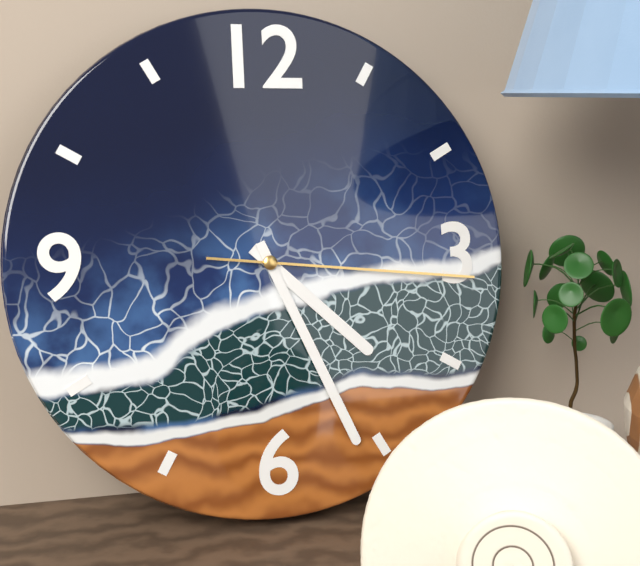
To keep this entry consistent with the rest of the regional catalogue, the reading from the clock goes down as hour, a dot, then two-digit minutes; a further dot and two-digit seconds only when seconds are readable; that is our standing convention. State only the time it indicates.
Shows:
4.26.16
